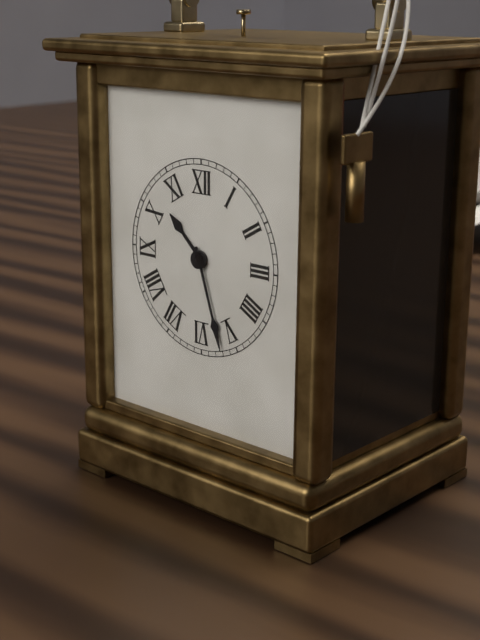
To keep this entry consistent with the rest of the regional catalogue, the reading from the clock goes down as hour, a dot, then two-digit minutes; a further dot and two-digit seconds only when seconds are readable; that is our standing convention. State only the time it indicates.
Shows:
10.27
